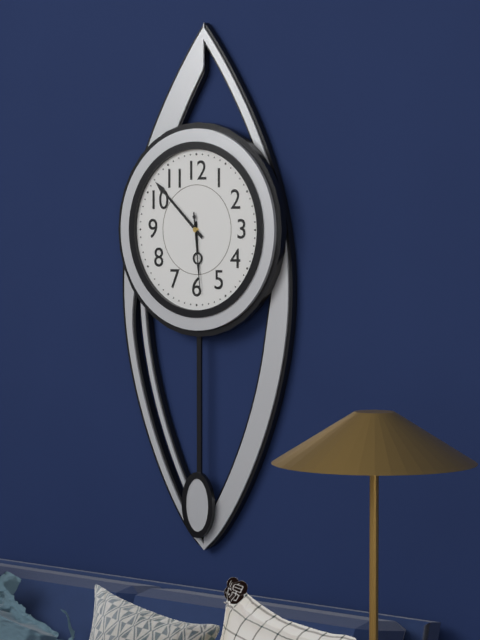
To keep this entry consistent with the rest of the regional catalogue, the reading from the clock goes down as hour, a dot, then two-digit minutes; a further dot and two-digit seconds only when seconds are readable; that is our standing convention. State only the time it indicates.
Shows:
5.52.29
